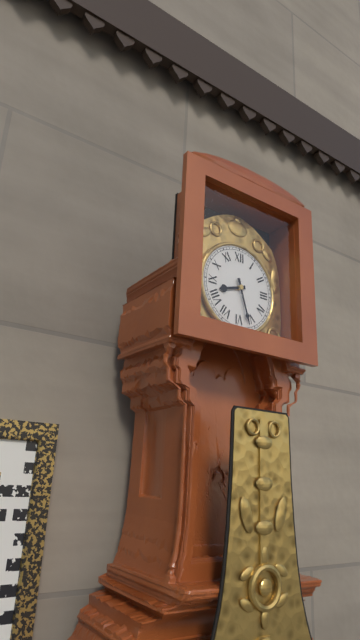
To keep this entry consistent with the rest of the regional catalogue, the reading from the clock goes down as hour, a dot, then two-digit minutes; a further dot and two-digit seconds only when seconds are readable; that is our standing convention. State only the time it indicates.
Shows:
8.27
